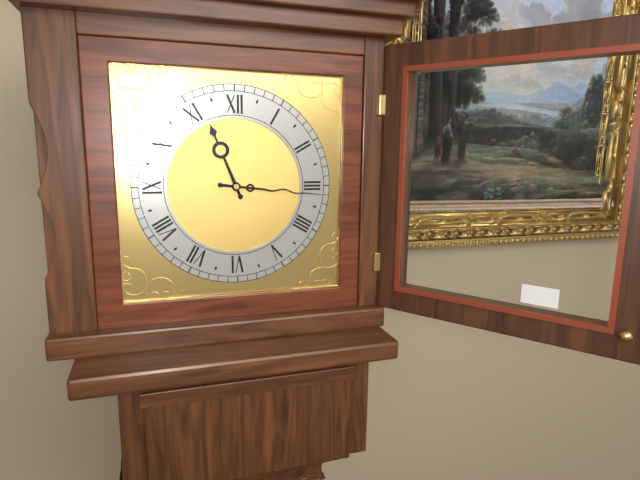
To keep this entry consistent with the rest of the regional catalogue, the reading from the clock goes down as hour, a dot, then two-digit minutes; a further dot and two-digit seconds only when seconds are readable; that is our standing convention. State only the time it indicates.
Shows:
11.16
